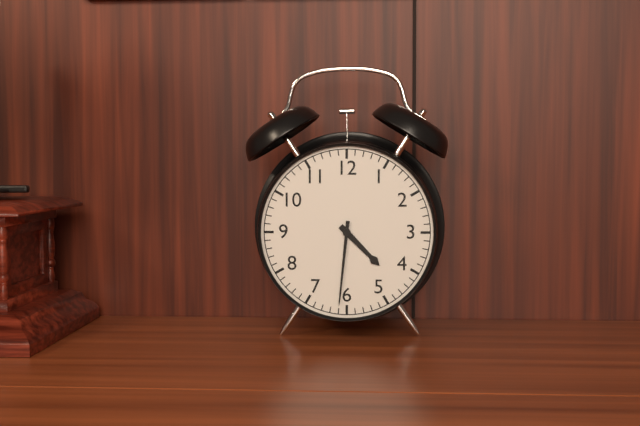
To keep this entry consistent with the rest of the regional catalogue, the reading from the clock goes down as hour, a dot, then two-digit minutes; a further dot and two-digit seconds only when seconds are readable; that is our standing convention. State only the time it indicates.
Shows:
4.31
